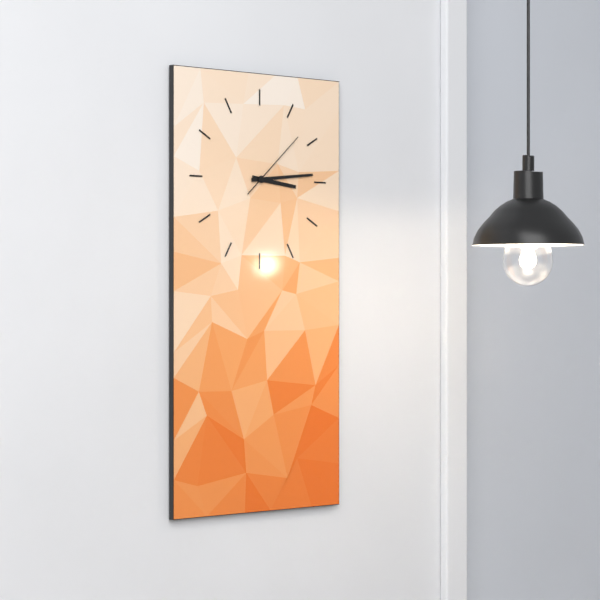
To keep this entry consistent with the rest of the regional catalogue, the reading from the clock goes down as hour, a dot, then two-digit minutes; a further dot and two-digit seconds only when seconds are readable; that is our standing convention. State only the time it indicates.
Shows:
3.14.08
